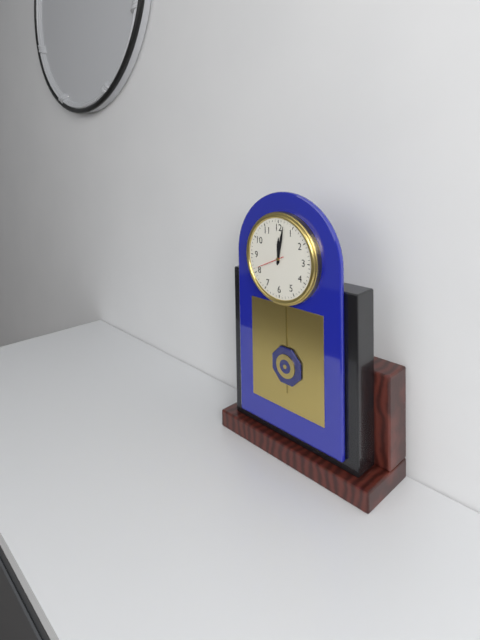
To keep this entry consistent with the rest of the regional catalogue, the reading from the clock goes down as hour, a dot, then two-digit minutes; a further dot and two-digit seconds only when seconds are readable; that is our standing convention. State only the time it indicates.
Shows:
12.02
